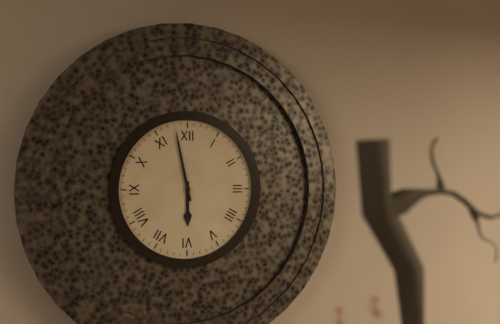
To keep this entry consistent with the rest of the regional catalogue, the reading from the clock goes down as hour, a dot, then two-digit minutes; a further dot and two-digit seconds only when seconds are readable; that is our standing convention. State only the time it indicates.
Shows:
5.58
